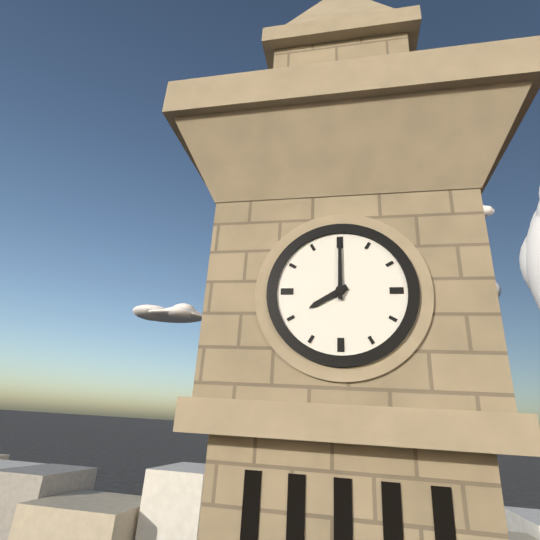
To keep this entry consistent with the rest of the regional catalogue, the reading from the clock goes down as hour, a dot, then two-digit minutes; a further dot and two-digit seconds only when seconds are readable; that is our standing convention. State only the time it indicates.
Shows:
8.00
